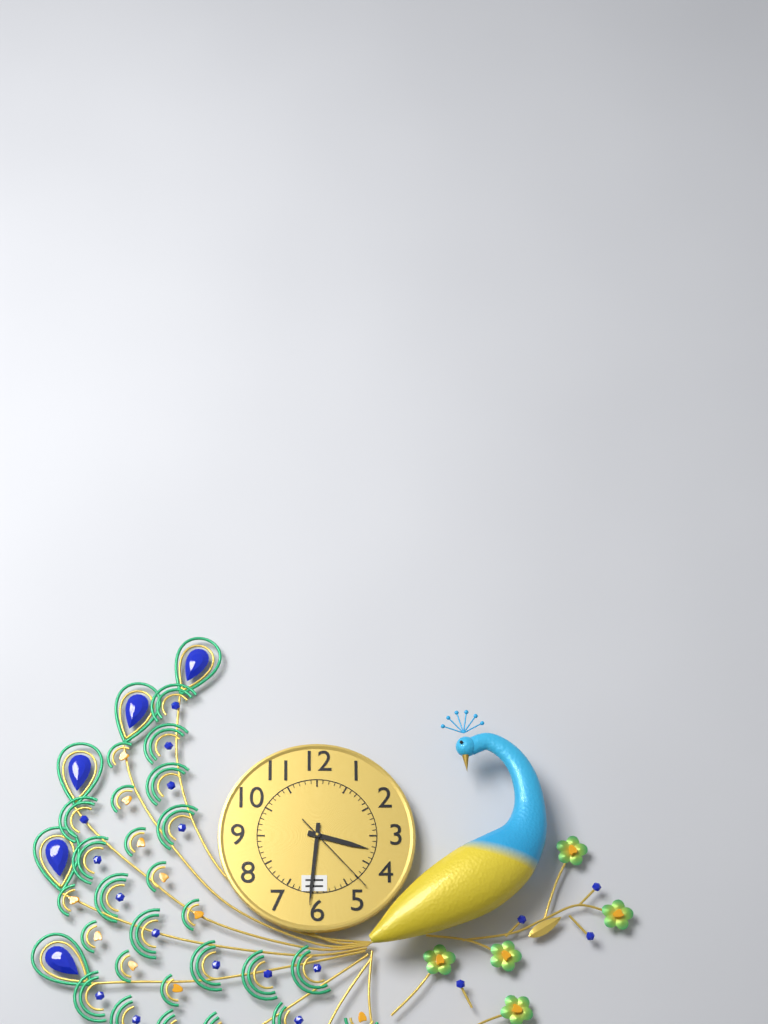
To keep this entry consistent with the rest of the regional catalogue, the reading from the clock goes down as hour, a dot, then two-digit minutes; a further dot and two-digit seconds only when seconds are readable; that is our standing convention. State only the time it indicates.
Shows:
3.31.23
